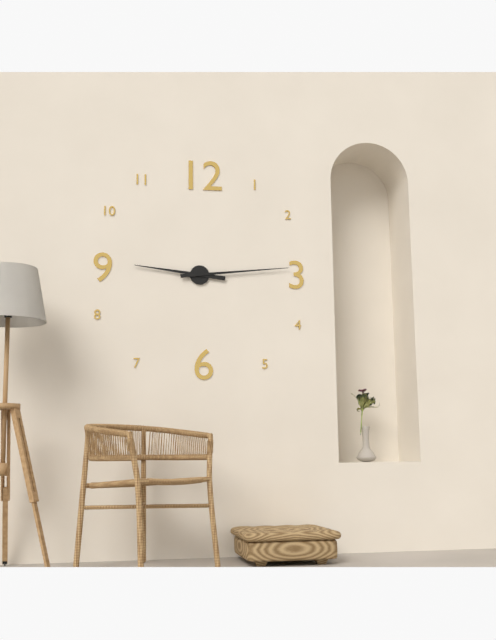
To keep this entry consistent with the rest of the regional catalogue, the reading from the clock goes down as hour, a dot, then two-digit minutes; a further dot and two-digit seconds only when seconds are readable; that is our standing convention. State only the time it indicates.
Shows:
9.14
